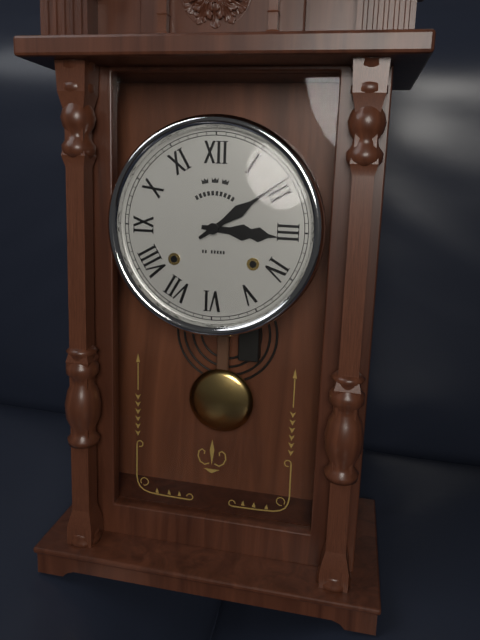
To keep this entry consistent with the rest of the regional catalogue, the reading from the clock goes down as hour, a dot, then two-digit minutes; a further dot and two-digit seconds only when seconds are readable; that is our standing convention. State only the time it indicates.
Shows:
3.09
